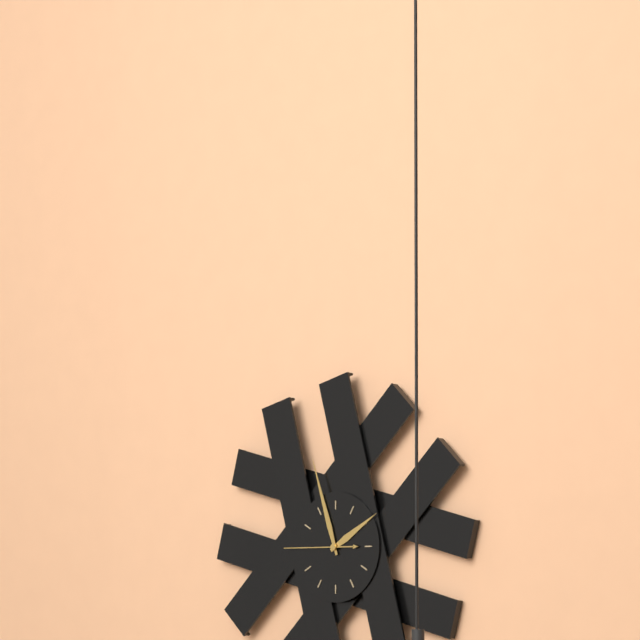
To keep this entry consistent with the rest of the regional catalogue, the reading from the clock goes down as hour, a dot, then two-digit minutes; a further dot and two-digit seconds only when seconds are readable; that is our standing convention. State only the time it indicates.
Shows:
1.57.45
